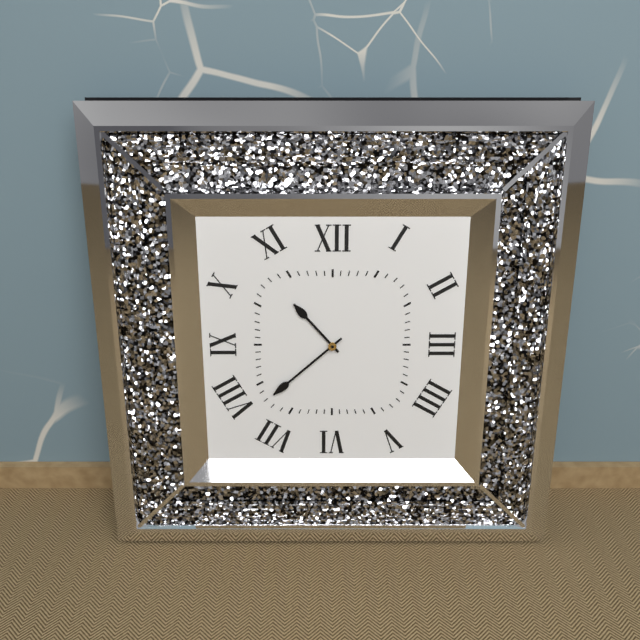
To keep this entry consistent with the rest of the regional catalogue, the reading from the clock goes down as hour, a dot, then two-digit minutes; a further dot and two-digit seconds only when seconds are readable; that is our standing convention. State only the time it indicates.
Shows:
10.38
